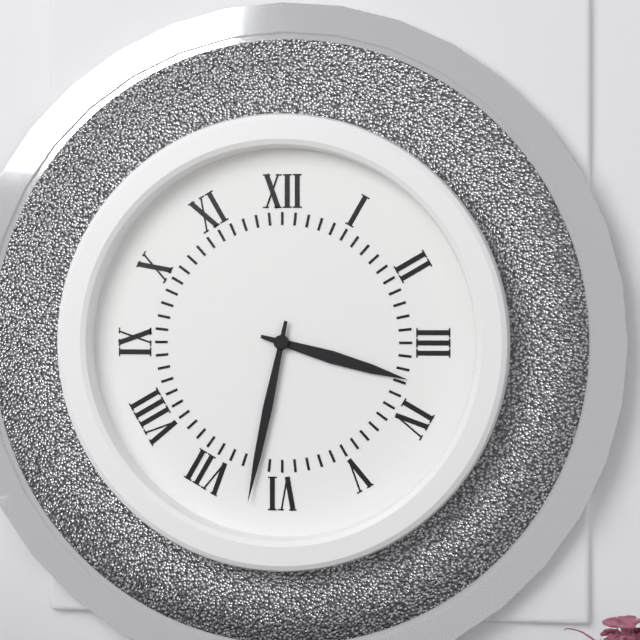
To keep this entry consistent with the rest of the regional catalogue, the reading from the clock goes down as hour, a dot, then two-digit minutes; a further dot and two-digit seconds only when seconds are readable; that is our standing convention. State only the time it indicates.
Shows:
3.32
